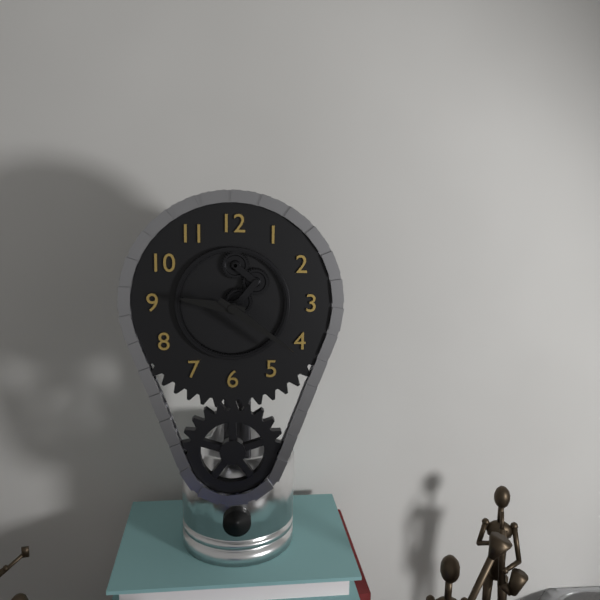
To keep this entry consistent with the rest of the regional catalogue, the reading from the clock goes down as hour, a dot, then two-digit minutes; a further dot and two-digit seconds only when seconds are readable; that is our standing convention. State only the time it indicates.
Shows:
9.21
